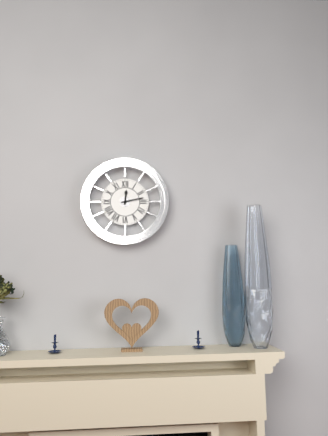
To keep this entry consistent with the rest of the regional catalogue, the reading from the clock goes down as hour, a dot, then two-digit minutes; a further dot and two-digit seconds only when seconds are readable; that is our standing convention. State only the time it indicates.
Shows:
12.13
